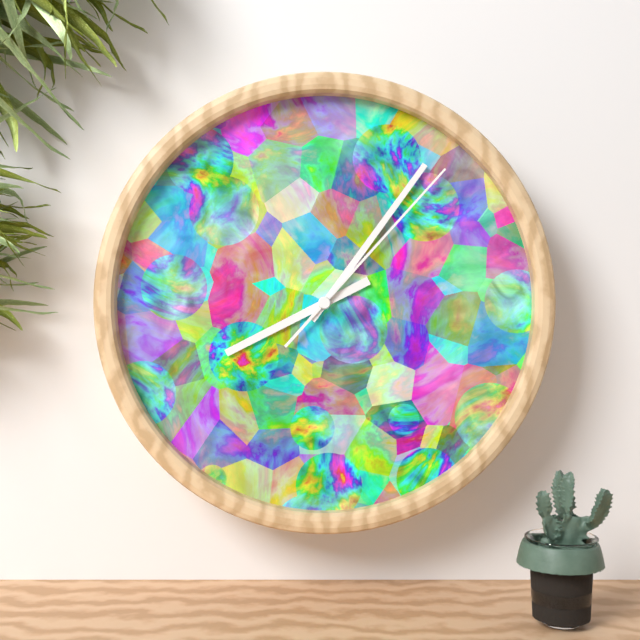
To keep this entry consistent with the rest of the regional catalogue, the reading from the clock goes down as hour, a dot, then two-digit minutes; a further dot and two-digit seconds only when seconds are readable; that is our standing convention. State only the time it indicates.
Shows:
8.06.07
